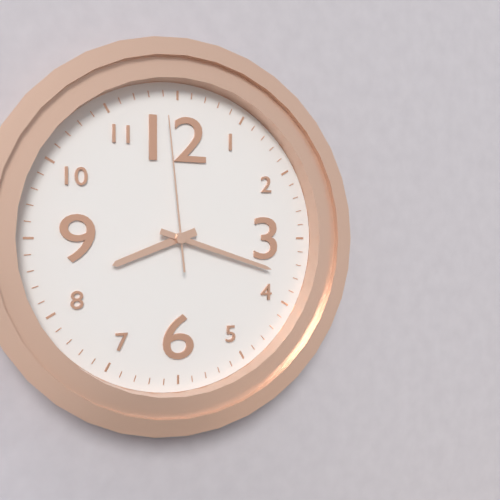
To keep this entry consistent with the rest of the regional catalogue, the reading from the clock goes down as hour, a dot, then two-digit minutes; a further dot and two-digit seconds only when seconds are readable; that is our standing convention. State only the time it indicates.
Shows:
8.18.59
